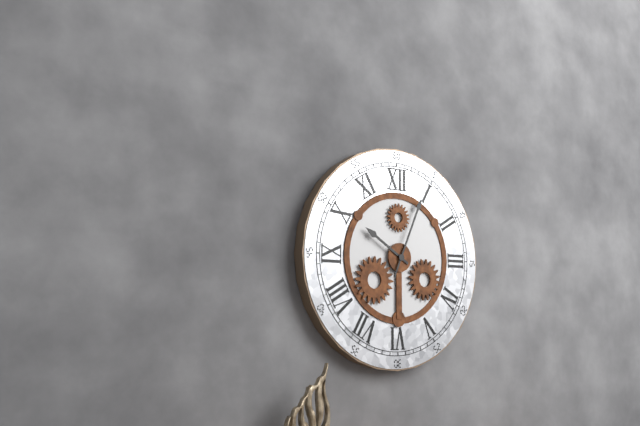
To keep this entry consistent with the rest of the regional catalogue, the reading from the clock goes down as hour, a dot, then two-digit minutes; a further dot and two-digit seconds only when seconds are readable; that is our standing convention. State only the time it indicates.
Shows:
10.04
